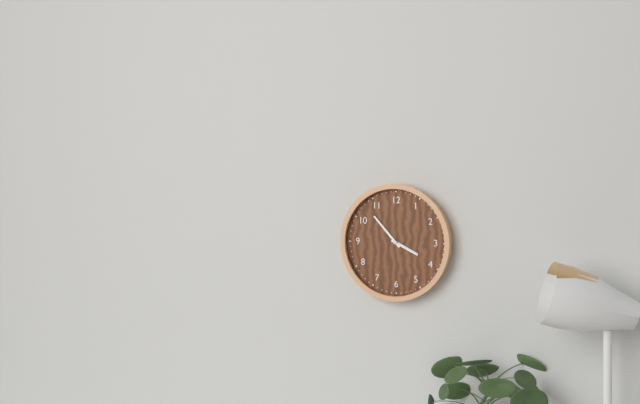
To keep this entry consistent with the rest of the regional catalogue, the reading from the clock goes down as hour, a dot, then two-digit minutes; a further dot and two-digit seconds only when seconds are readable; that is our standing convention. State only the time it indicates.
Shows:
3.53
